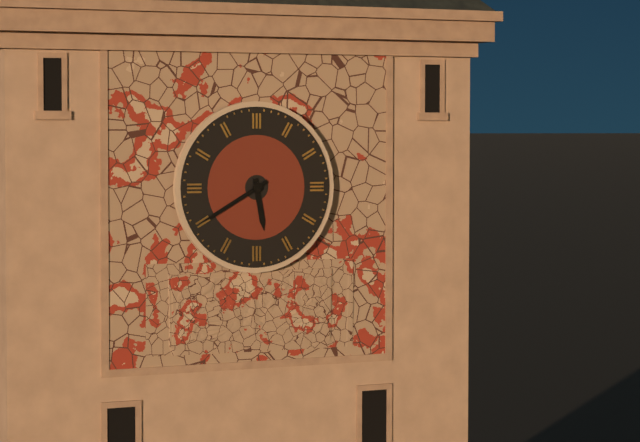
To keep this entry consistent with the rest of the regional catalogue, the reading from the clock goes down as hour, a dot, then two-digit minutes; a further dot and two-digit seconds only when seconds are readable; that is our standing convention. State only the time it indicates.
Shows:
5.40
